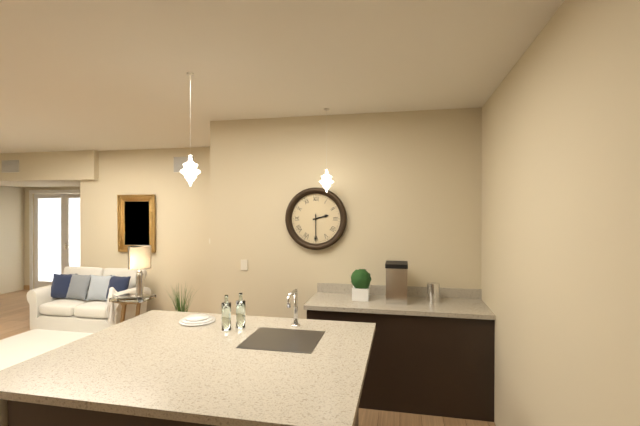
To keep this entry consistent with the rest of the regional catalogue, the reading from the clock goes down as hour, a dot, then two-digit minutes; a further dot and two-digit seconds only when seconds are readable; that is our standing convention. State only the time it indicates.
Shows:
2.30
